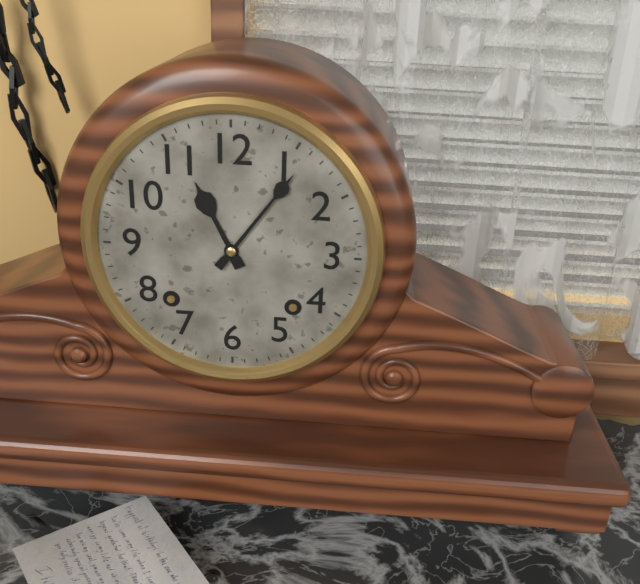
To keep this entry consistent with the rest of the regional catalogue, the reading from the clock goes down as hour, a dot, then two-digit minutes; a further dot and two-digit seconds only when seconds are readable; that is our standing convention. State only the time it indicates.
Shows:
11.06
